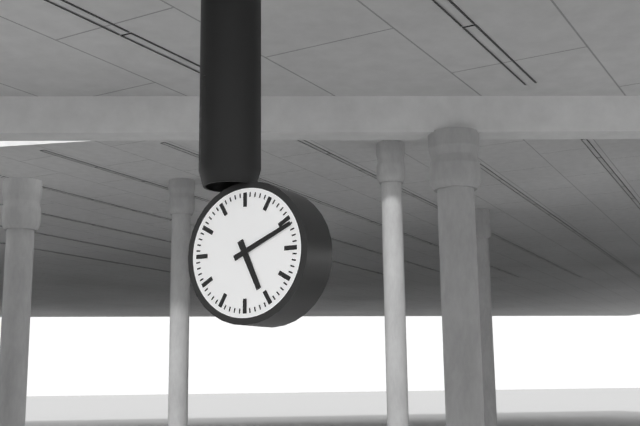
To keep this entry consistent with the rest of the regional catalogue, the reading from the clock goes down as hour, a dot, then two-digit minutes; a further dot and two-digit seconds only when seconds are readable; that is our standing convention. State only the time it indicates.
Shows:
5.11
